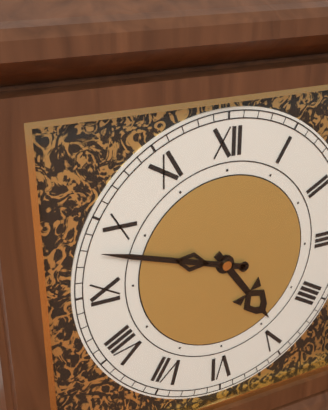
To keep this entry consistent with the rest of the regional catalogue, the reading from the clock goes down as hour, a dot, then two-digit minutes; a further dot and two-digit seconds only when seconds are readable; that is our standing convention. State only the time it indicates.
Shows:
4.48
